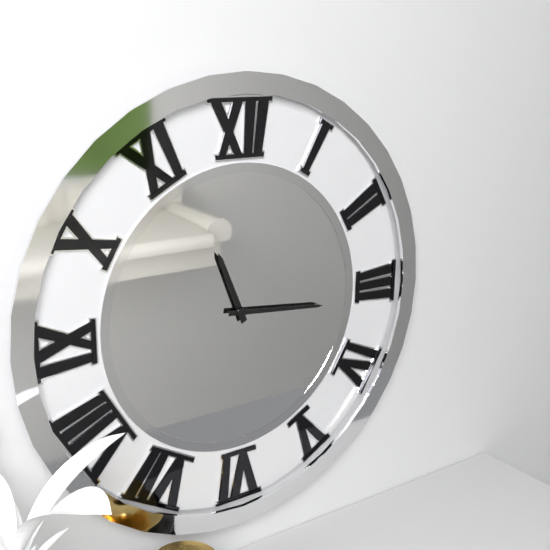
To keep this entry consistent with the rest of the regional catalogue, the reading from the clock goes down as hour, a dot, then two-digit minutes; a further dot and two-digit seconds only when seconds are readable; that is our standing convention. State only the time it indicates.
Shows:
11.16
